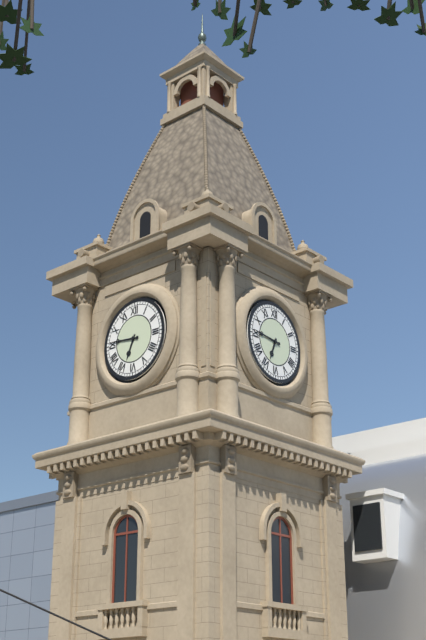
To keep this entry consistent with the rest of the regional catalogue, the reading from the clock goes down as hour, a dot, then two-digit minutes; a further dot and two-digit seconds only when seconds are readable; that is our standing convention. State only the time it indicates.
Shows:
6.46
